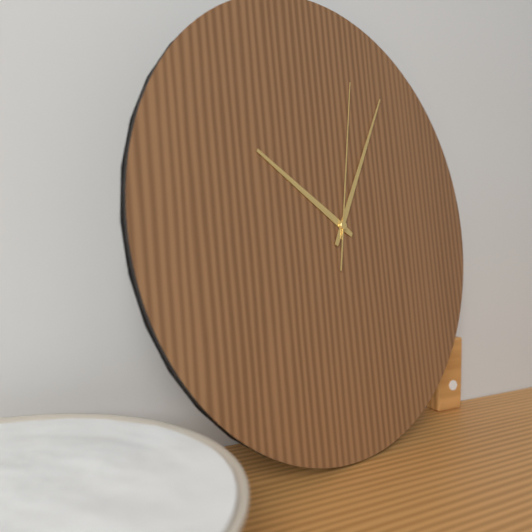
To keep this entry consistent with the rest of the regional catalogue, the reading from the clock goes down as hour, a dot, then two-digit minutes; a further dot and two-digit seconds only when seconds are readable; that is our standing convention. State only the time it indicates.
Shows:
10.05.02
